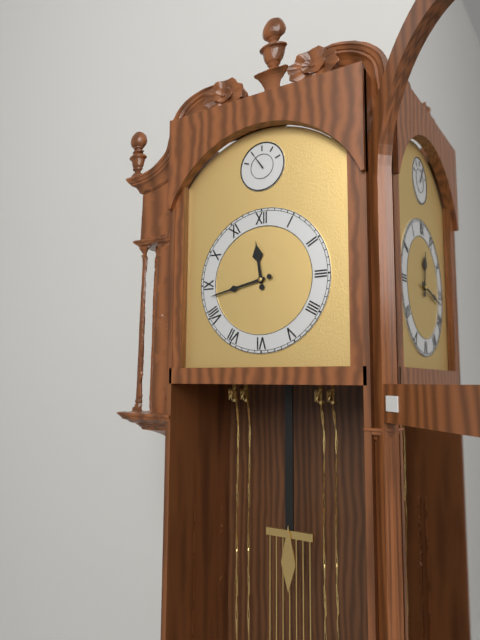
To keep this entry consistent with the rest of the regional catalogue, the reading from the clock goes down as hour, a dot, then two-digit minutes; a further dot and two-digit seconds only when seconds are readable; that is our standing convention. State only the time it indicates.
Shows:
11.43
